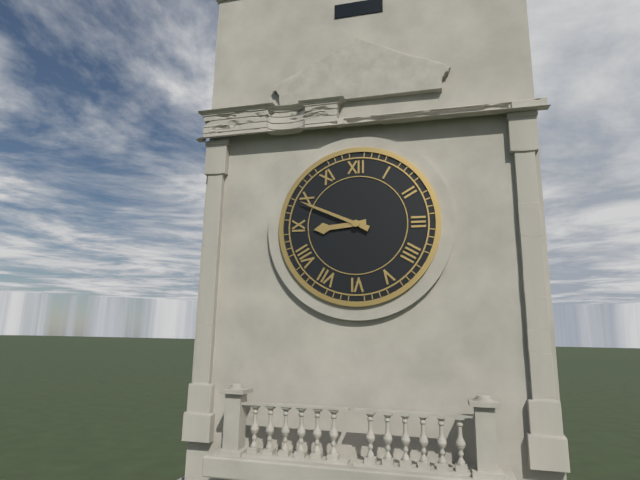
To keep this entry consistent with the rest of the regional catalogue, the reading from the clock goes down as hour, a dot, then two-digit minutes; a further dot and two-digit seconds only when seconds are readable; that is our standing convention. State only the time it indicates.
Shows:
8.49
